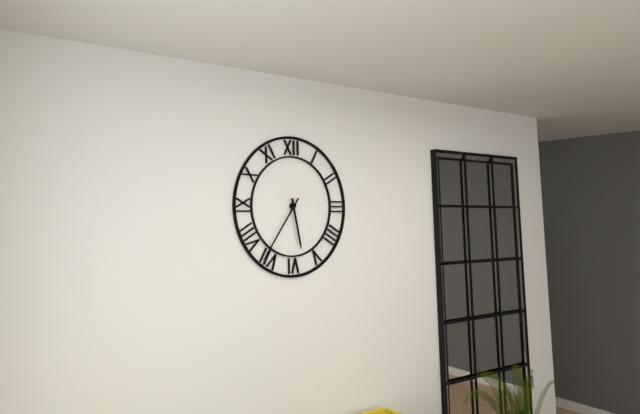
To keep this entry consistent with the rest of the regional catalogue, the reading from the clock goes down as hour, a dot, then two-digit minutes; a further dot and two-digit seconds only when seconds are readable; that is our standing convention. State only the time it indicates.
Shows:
5.36
